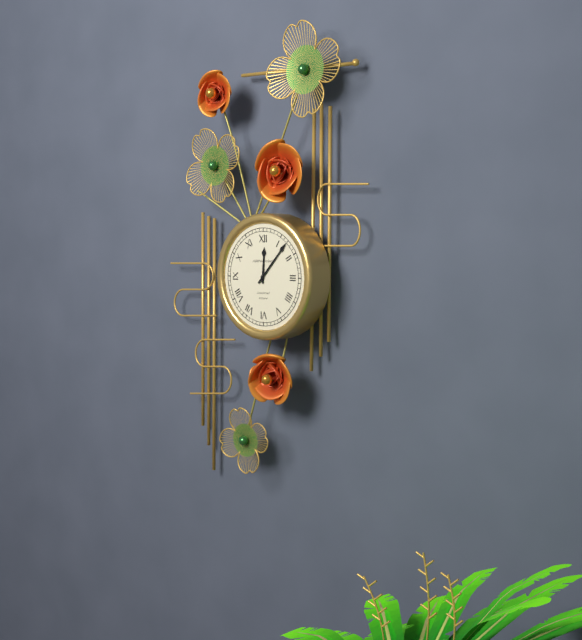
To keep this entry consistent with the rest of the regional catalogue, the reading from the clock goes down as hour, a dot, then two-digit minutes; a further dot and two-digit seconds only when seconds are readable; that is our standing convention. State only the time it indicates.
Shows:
12.07
